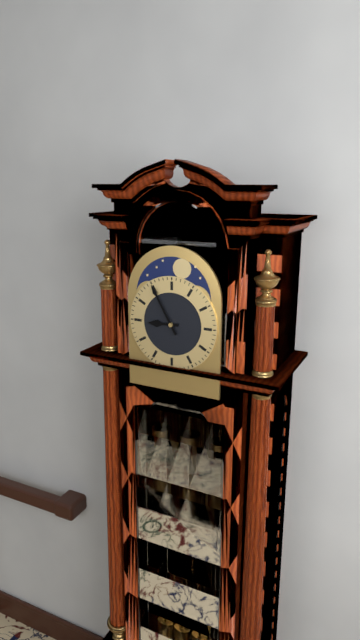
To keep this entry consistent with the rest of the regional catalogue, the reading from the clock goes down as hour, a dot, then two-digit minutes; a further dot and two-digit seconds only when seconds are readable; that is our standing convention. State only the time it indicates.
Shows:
8.55
